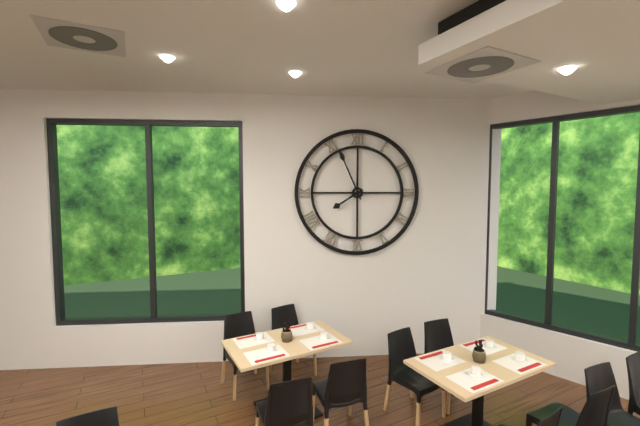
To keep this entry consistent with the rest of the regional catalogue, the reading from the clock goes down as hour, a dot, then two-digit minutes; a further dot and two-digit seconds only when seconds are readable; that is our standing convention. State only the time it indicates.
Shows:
7.56
